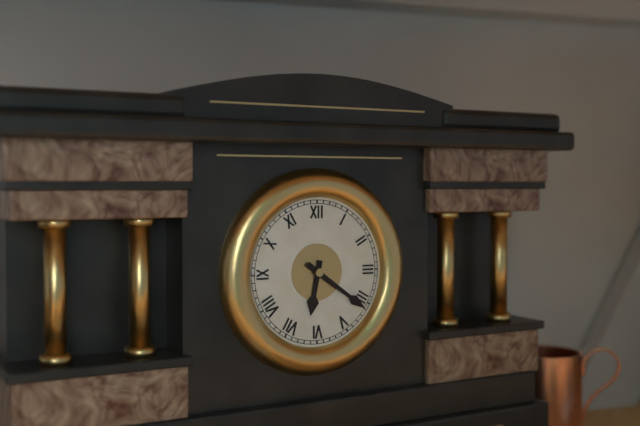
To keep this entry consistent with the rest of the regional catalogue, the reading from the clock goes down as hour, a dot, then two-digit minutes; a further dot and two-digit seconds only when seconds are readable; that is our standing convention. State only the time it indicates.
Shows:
6.21
